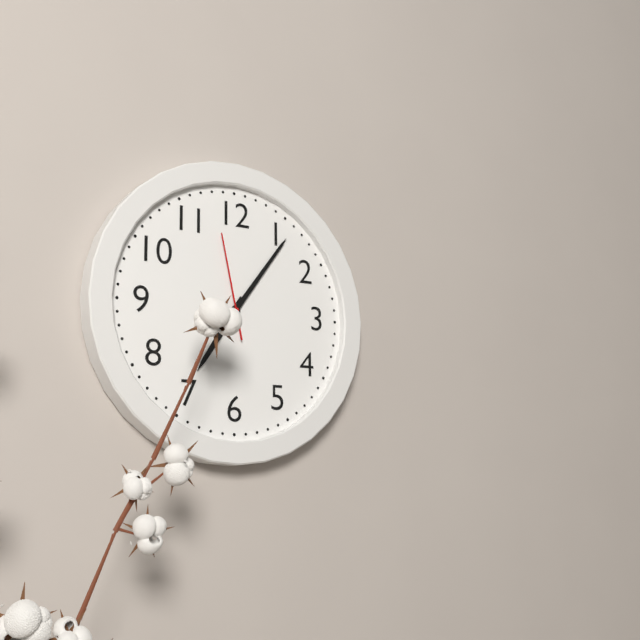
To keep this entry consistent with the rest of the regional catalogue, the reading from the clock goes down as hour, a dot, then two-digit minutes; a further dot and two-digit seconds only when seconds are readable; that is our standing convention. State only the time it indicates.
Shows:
7.06.58
